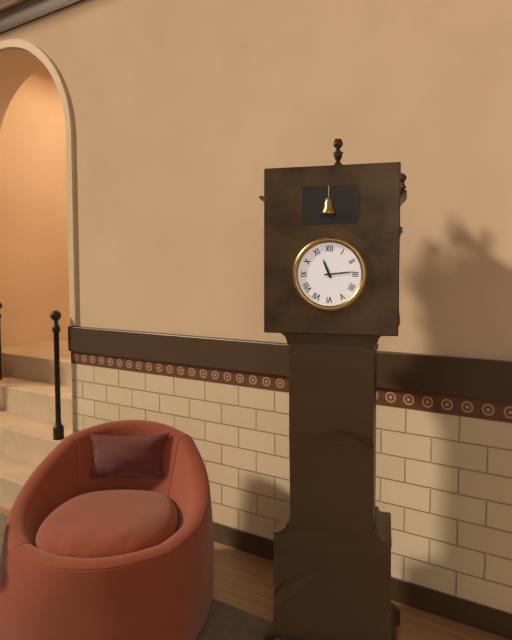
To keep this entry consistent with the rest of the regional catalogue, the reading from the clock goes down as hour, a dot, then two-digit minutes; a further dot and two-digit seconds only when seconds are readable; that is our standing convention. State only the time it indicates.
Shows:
11.14
